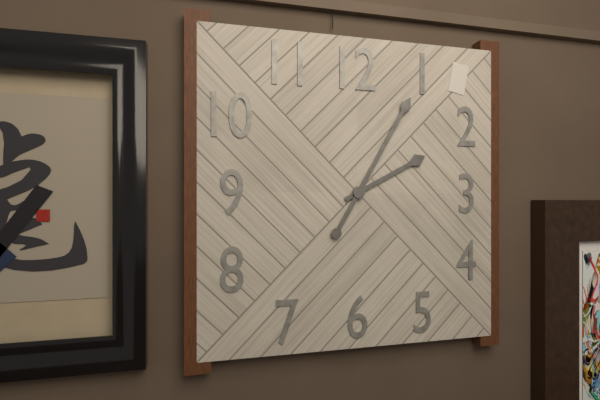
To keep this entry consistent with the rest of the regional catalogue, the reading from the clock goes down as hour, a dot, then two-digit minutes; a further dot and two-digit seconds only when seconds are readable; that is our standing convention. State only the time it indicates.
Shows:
2.05
